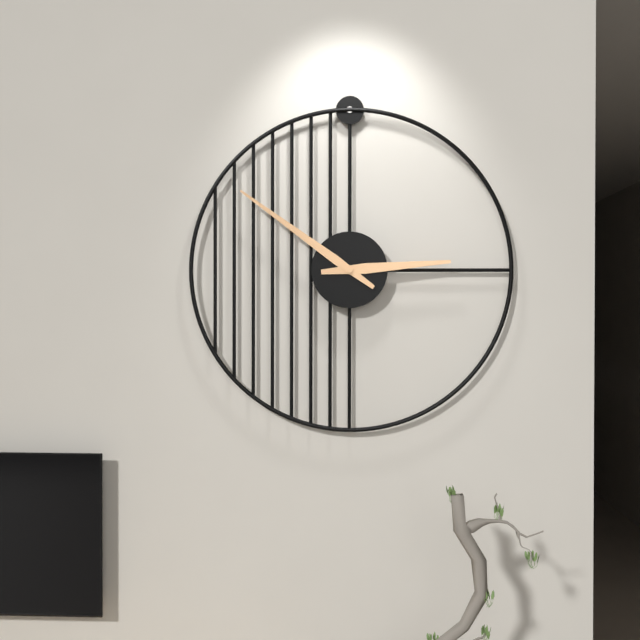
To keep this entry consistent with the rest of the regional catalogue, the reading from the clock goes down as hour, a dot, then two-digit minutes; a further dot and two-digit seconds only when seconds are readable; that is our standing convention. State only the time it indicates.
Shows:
2.51
